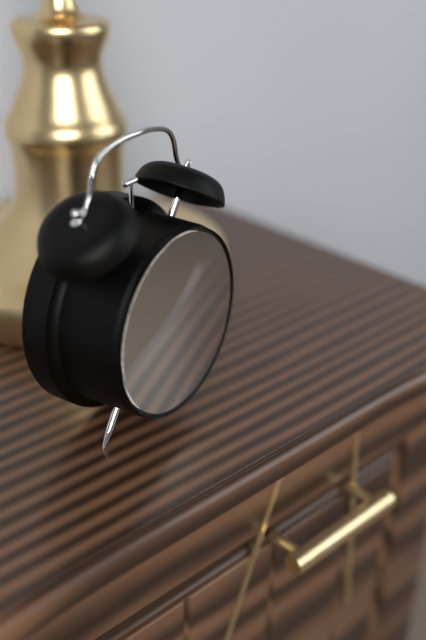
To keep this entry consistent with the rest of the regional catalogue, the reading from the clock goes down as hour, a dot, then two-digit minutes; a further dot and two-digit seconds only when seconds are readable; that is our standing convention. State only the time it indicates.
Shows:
11.28
